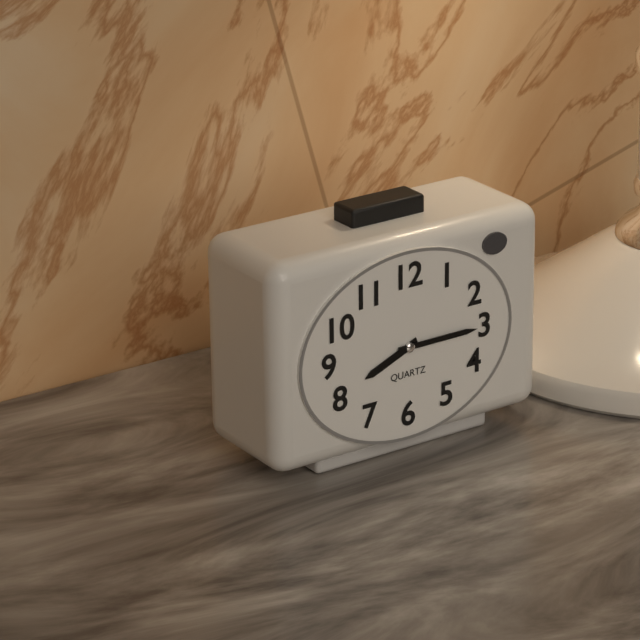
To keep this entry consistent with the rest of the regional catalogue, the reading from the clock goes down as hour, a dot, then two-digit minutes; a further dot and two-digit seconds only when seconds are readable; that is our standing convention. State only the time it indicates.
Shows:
8.15
